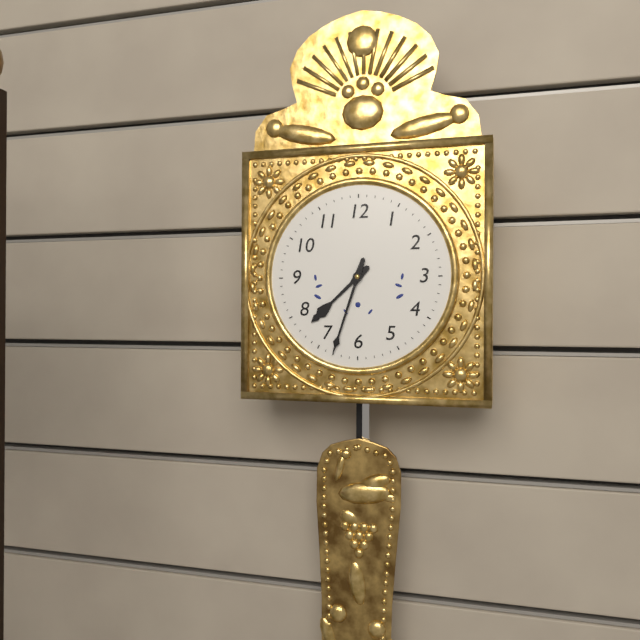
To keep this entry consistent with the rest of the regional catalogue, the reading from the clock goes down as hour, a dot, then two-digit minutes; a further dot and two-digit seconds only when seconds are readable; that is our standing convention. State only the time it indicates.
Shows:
7.33
